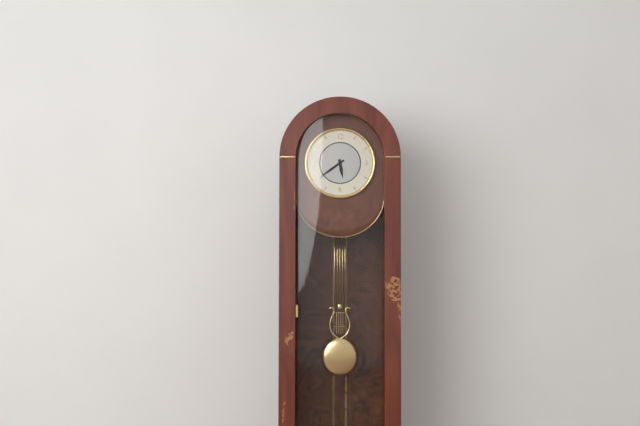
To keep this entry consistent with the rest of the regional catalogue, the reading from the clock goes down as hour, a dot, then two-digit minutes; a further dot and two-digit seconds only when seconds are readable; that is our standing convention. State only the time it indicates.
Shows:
5.39
